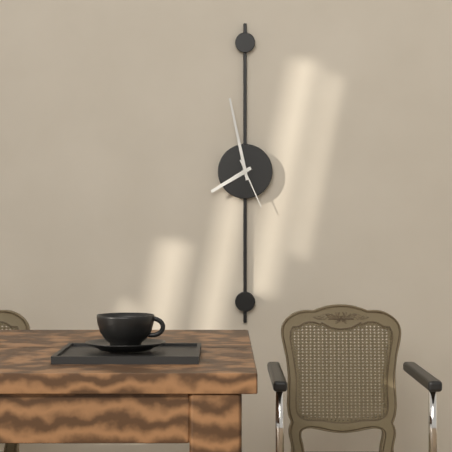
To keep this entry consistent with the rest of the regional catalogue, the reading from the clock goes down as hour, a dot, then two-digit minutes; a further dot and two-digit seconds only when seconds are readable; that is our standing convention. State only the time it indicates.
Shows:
7.58
